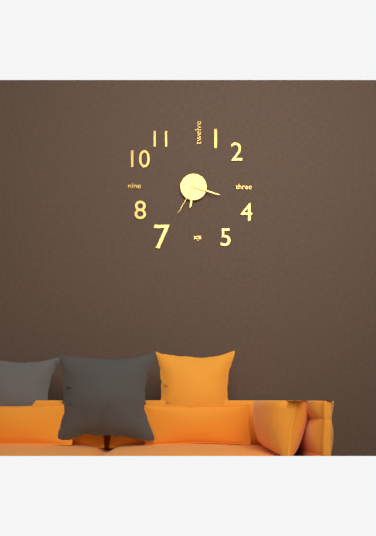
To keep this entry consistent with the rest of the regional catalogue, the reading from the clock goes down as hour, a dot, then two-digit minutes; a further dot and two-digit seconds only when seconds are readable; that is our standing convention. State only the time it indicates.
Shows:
6.18
